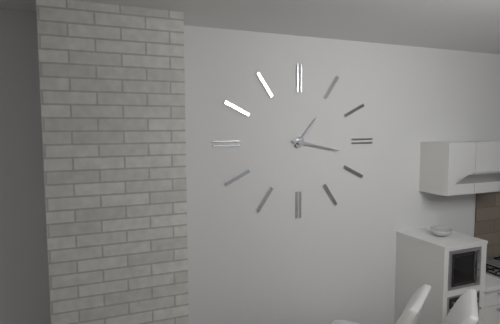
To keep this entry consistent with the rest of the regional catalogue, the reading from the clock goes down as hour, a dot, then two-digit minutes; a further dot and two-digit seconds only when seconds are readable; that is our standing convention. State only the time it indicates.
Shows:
1.17
